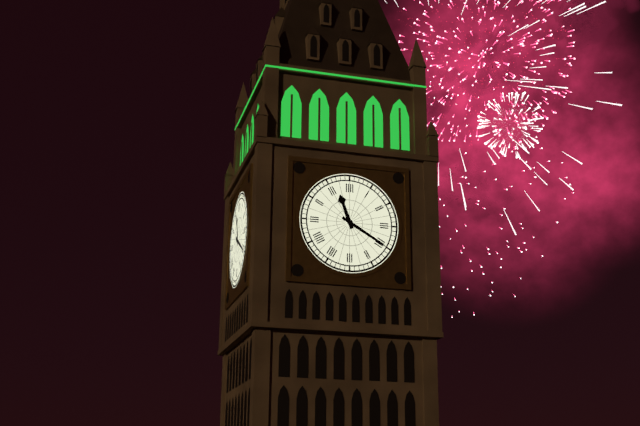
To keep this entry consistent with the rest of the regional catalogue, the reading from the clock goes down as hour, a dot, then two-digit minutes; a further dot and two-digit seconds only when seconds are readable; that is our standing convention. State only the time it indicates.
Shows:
11.20
